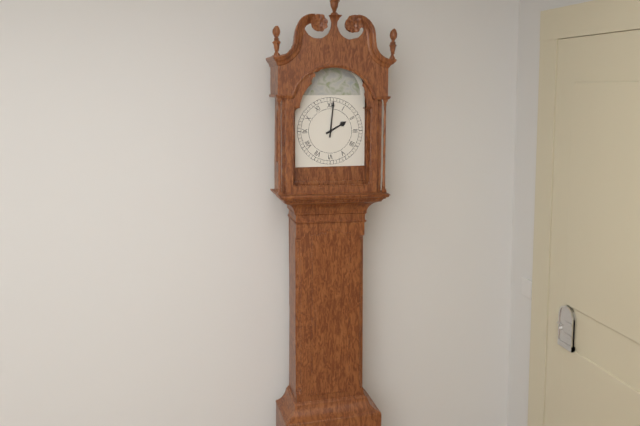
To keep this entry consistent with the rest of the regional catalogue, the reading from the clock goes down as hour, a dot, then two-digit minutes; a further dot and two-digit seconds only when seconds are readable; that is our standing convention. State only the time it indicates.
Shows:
2.01
